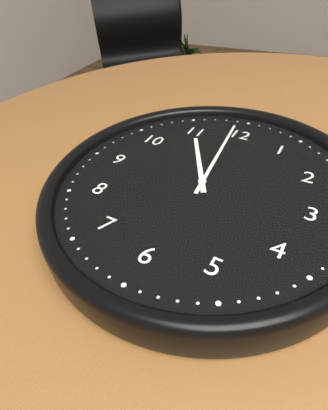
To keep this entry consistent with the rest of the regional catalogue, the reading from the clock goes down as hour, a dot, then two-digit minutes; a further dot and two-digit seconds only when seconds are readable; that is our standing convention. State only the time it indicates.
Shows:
10.59
